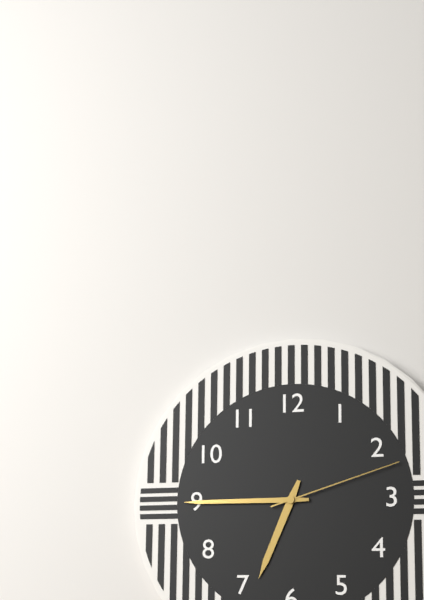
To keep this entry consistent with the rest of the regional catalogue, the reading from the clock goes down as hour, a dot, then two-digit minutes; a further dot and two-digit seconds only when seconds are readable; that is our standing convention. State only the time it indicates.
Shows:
6.45.12
